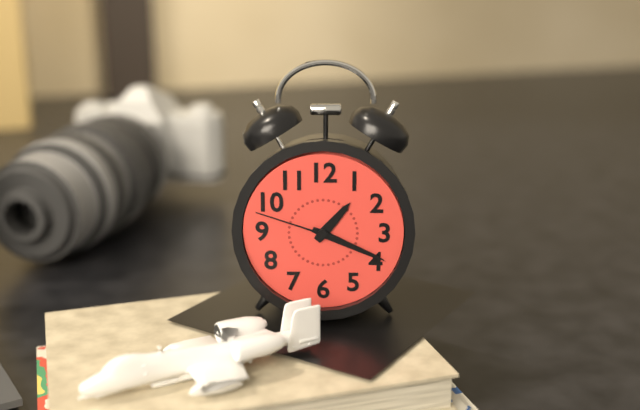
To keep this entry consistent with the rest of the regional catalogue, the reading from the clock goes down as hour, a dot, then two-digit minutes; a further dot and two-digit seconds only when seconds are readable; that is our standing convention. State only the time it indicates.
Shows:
1.19.48
